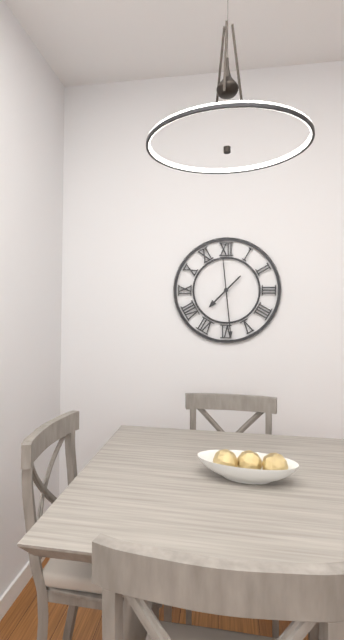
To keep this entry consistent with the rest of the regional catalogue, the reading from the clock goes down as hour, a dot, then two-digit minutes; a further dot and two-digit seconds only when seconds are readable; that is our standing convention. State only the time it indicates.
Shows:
7.29
